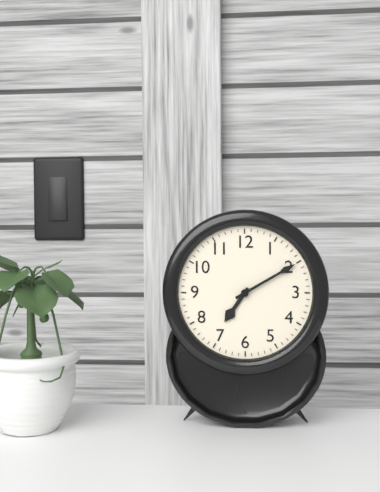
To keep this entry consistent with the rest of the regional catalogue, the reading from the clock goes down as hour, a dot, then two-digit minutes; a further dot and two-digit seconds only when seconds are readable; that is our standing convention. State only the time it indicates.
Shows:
7.10
